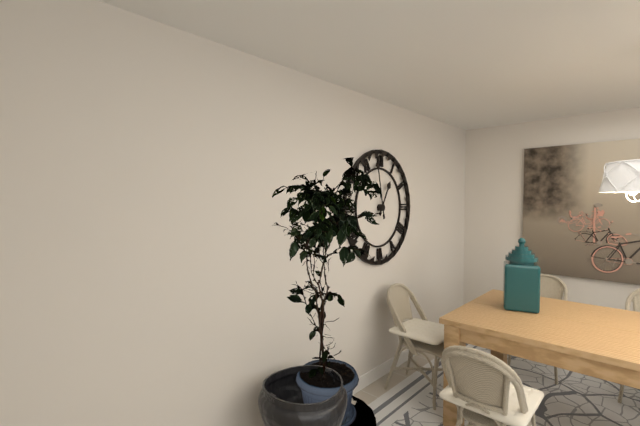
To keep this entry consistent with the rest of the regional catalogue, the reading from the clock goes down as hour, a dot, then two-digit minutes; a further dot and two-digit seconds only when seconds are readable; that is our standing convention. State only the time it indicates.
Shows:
12.58
